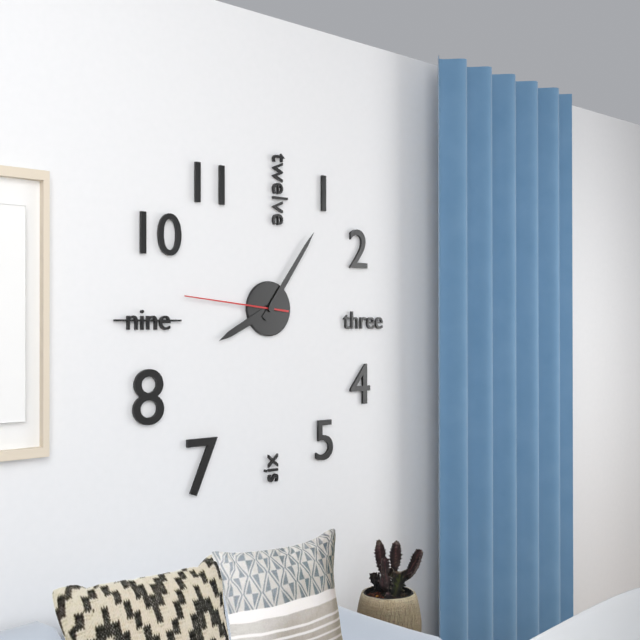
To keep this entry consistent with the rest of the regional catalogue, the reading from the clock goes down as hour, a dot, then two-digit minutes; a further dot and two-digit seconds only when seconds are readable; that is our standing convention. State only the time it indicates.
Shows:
8.06.46
